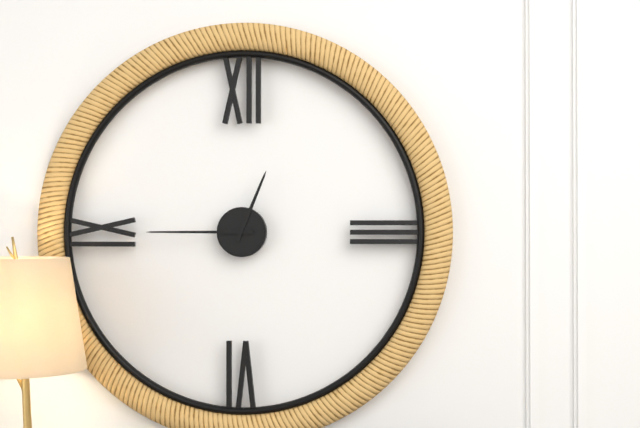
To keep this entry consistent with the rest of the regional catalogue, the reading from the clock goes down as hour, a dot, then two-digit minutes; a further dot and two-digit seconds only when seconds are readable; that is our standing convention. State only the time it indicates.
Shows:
12.45
